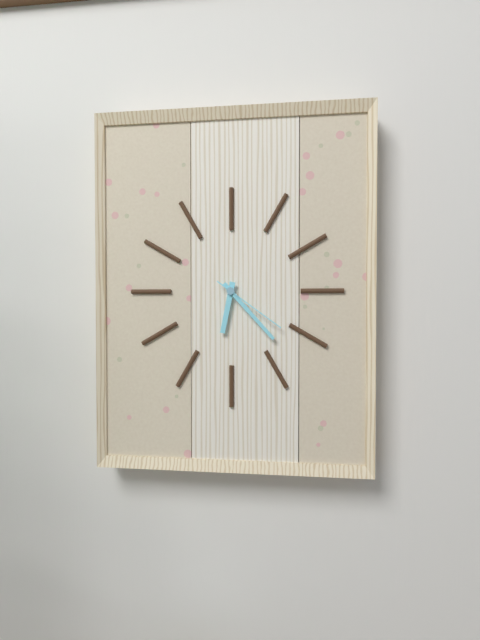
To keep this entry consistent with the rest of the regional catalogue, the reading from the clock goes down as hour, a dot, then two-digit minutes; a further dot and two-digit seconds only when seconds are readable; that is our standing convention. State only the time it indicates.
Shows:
6.23.21
